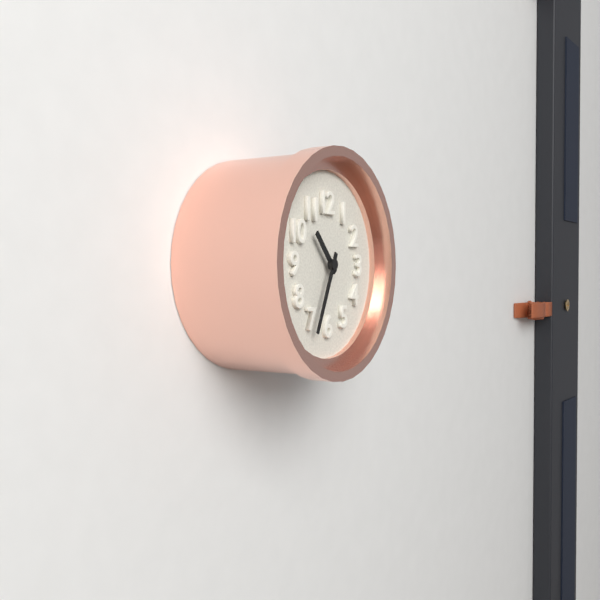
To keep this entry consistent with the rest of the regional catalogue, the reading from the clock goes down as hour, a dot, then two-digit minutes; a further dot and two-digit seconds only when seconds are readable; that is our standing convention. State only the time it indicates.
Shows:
10.34
